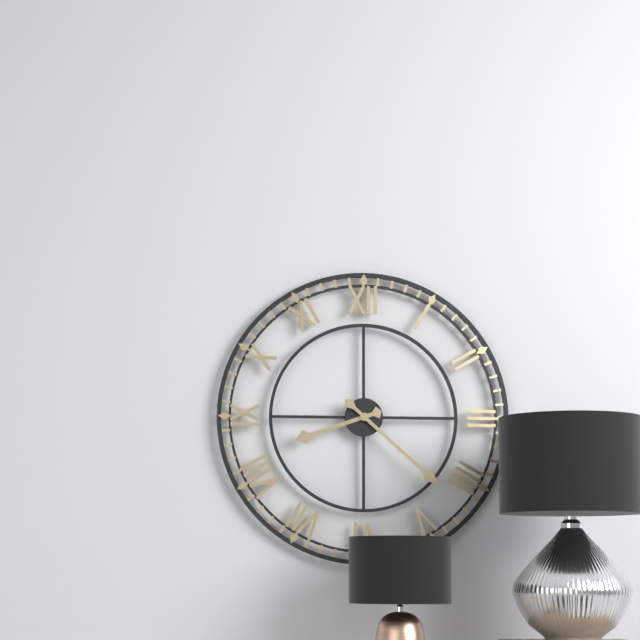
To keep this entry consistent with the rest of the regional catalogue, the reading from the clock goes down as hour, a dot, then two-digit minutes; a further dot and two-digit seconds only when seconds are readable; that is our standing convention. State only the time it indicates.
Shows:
8.22
